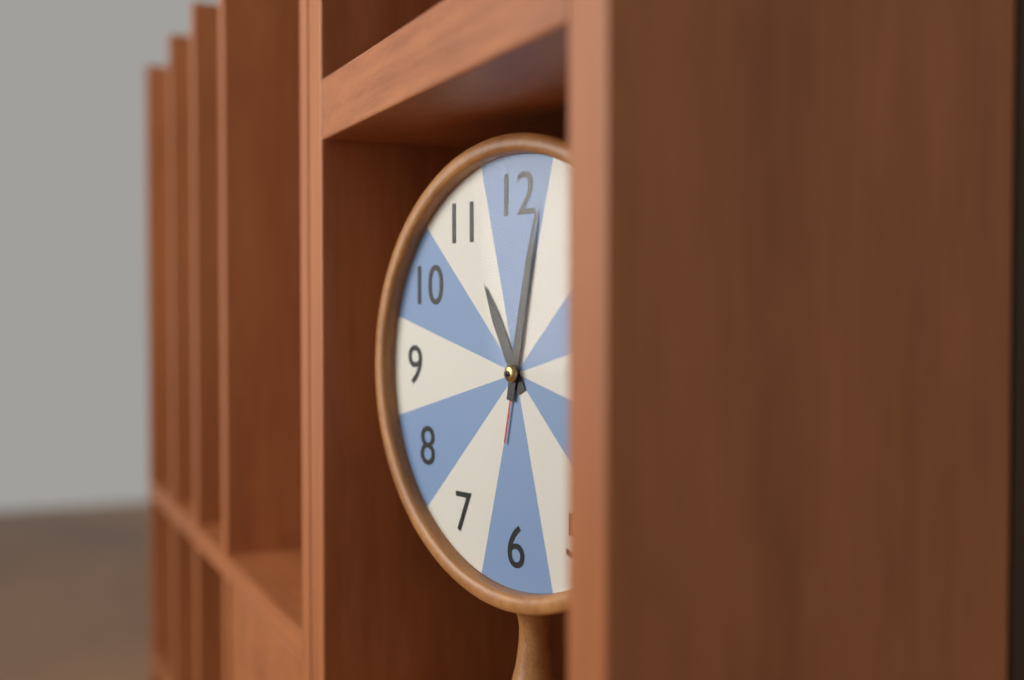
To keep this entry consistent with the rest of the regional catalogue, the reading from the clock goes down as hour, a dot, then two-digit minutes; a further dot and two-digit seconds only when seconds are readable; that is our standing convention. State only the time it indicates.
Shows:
11.02.02
